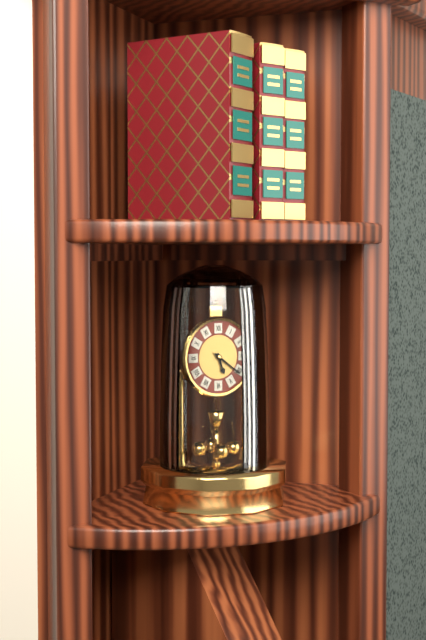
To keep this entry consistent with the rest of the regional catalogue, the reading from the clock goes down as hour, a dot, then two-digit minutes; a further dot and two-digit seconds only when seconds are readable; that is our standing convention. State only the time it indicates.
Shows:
5.21
